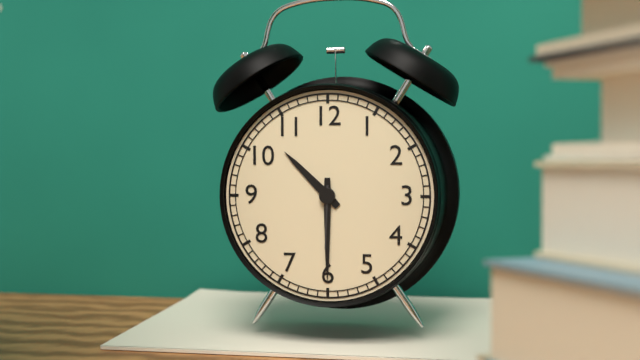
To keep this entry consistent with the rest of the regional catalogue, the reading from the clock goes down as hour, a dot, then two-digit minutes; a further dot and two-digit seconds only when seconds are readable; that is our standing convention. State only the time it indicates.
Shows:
10.30
